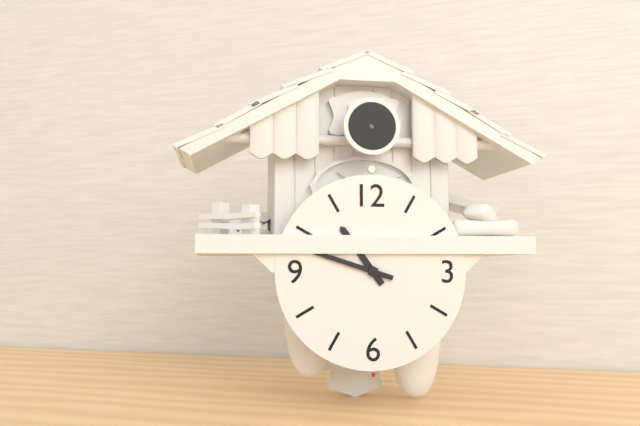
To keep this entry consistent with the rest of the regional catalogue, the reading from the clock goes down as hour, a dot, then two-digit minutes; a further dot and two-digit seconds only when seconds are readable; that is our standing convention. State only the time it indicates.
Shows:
10.48
